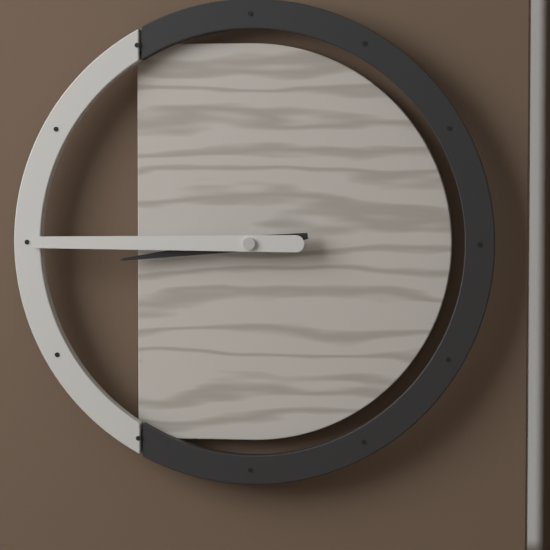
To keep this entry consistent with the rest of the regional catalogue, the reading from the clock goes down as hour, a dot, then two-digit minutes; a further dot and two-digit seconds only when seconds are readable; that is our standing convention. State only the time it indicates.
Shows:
8.45
